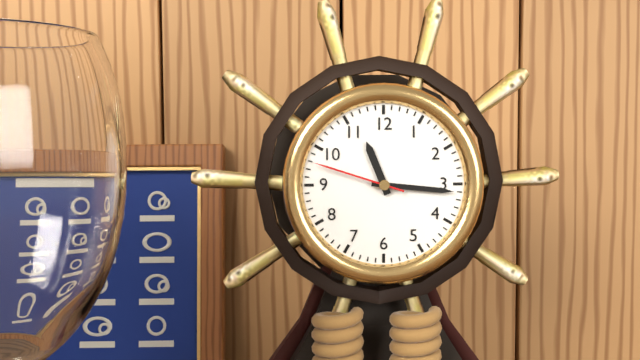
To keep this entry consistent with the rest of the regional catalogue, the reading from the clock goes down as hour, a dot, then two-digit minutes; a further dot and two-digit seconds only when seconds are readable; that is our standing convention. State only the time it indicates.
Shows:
11.16.48
